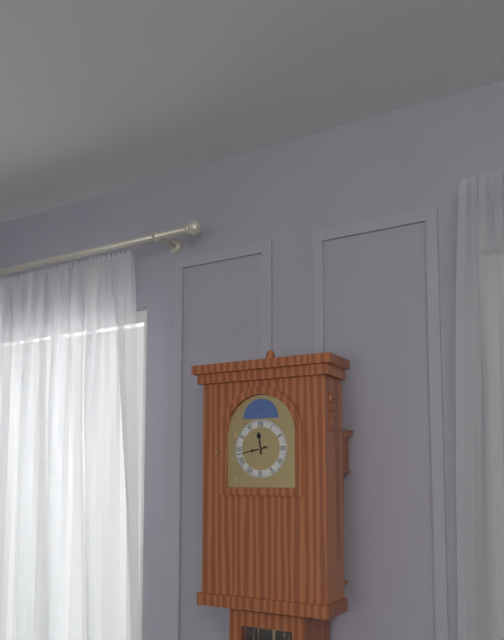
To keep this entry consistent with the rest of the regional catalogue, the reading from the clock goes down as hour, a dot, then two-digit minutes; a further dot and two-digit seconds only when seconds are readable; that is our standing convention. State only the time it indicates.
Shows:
11.43
